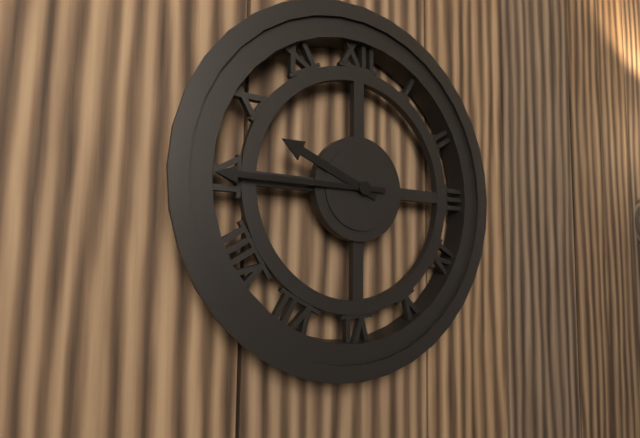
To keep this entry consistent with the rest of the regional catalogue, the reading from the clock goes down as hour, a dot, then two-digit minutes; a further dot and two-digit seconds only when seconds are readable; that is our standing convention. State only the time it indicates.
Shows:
9.45
